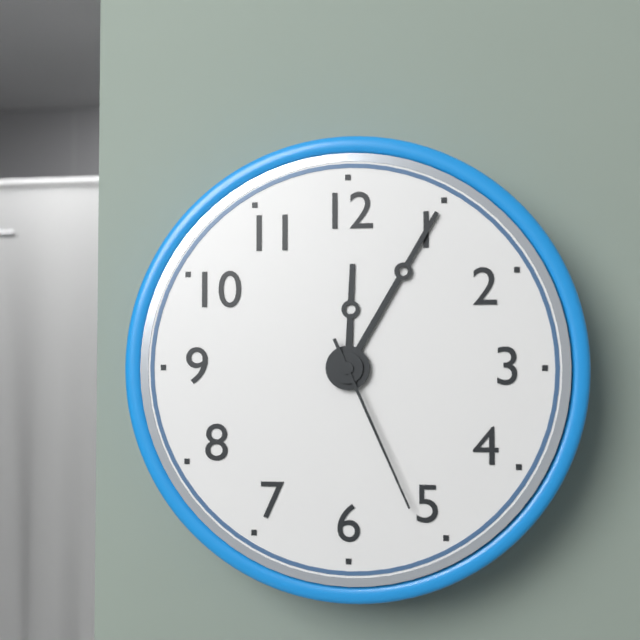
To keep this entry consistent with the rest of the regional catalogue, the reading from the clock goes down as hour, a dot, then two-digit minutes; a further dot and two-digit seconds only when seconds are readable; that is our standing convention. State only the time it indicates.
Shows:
12.05.26
